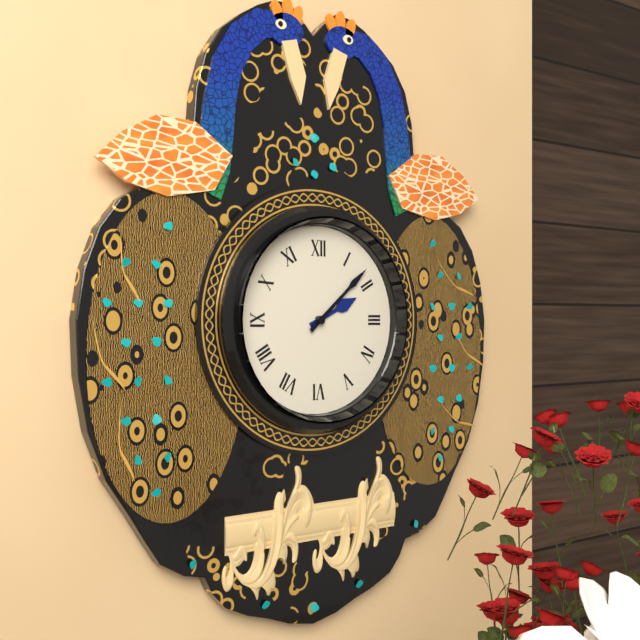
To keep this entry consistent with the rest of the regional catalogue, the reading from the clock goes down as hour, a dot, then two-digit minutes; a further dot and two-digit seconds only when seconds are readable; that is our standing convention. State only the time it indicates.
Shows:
2.08
